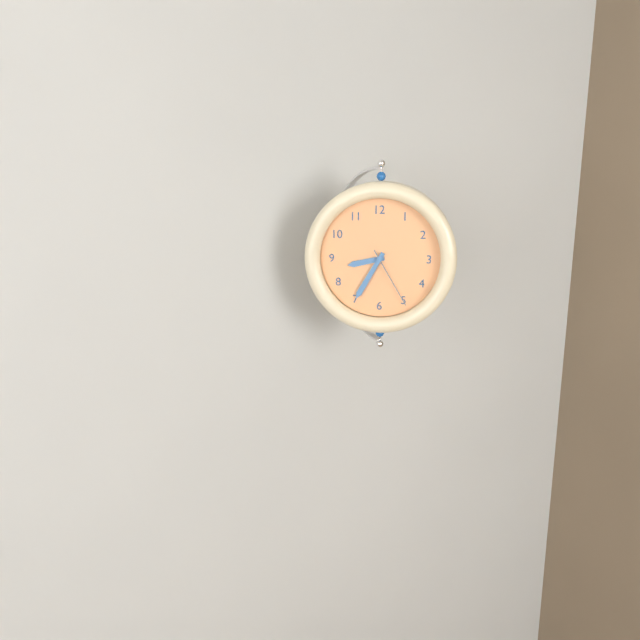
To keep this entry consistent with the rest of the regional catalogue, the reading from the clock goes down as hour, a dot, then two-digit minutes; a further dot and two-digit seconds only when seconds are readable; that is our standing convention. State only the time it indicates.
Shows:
8.35.25
